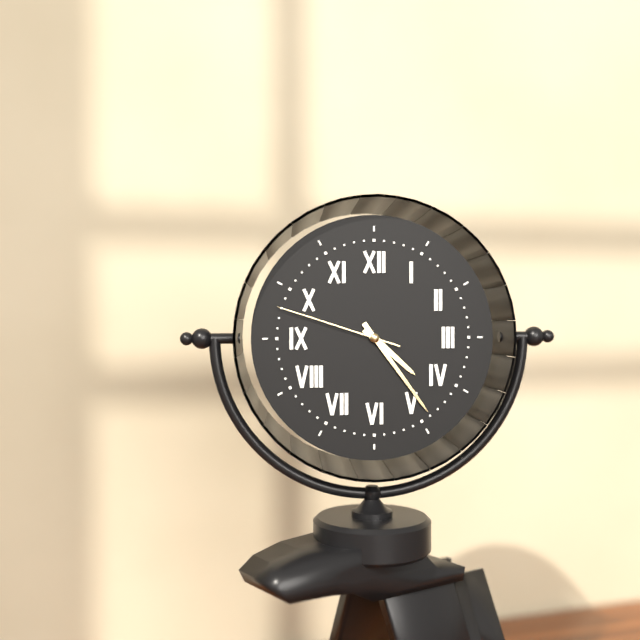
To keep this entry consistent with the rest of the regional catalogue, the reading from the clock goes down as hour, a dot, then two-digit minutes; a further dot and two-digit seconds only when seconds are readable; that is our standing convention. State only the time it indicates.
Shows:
4.24.48
